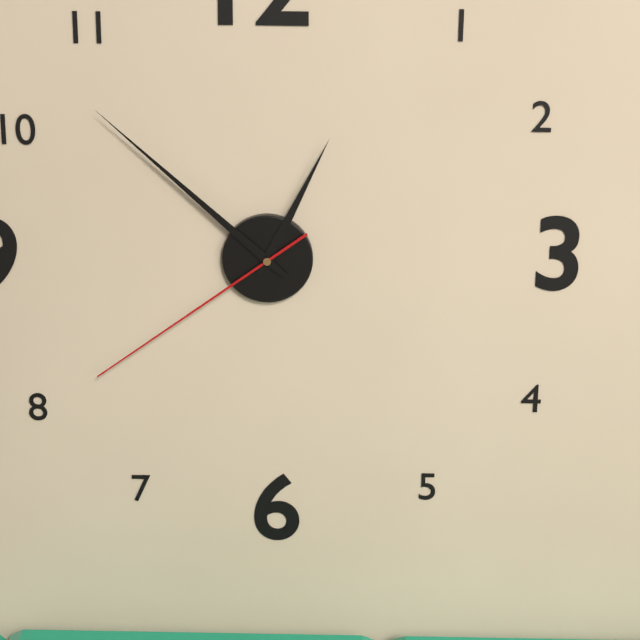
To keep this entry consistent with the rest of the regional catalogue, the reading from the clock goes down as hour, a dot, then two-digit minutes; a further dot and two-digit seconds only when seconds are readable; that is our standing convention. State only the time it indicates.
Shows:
12.52.39
